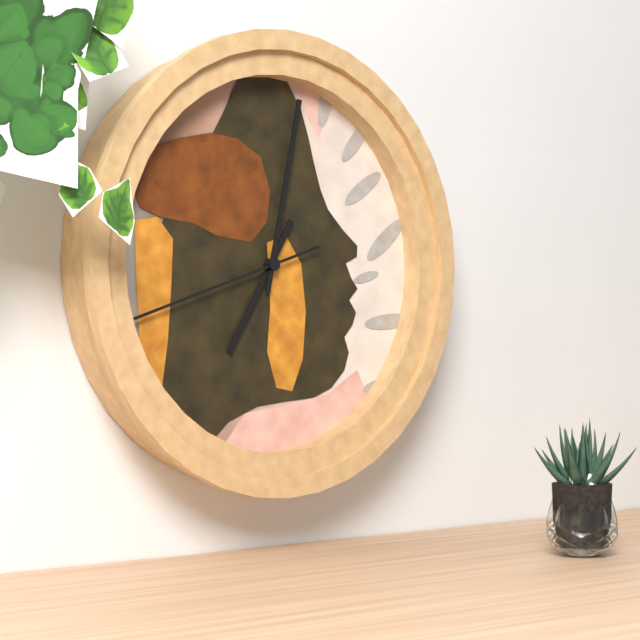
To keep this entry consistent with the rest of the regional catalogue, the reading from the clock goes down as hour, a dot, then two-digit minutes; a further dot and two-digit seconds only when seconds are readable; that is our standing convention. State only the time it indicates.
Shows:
7.02.42
